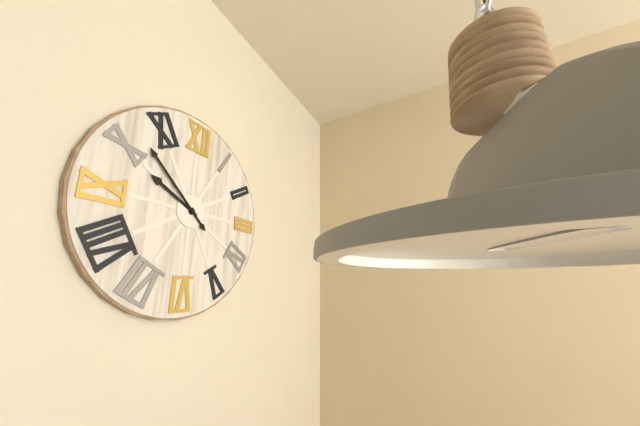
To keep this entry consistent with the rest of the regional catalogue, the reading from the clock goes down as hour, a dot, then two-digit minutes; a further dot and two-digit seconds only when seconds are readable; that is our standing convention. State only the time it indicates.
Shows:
9.52
